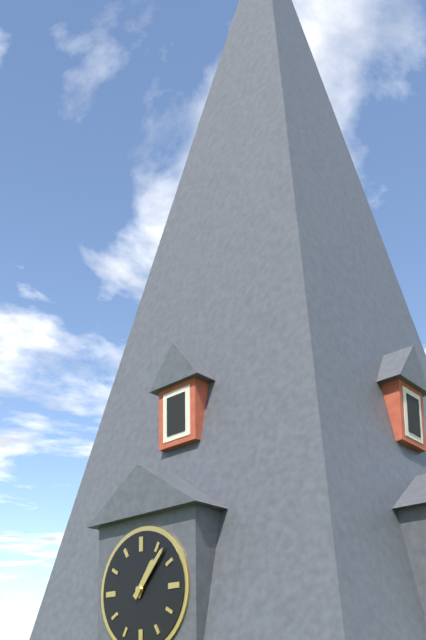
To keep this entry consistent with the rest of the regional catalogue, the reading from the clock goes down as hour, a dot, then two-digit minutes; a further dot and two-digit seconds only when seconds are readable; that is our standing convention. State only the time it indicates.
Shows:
1.07
